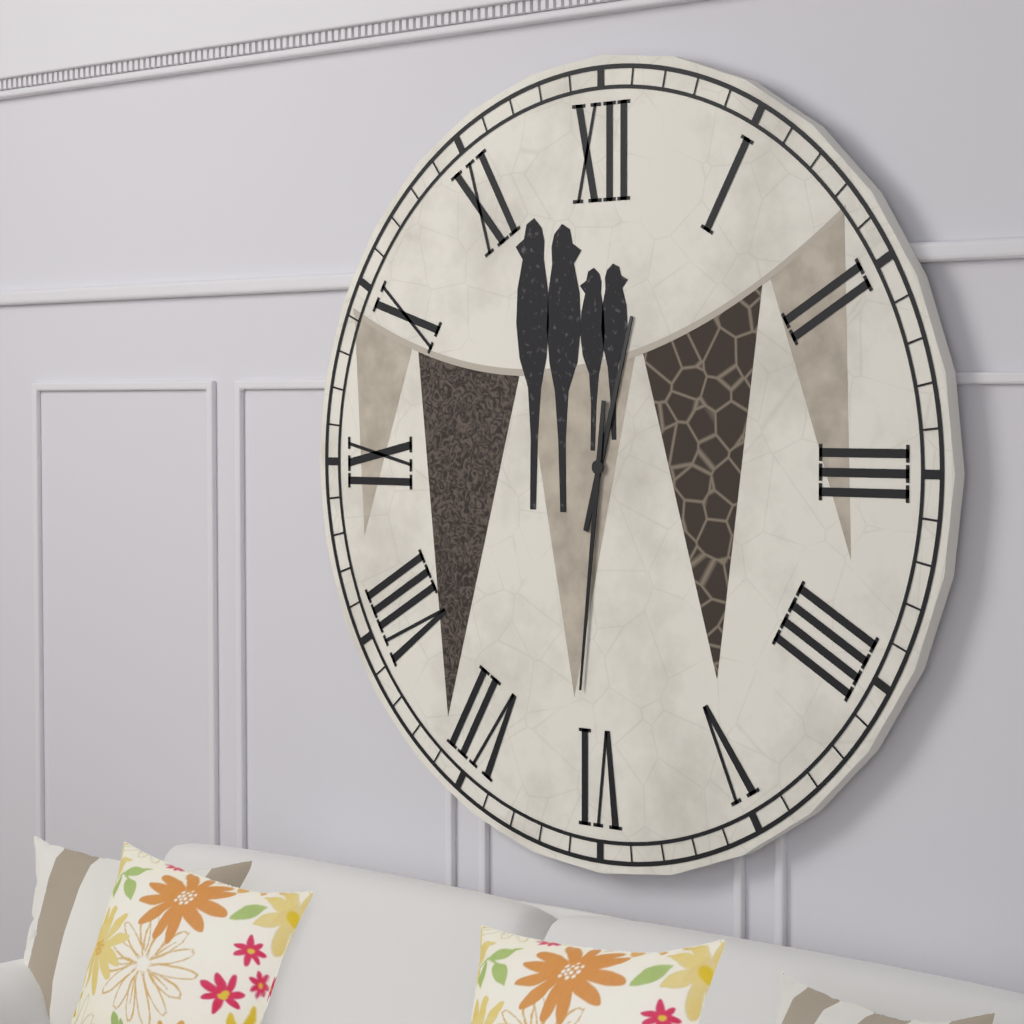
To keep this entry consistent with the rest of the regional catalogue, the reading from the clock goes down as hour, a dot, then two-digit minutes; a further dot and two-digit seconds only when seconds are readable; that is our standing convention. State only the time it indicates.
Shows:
12.31
